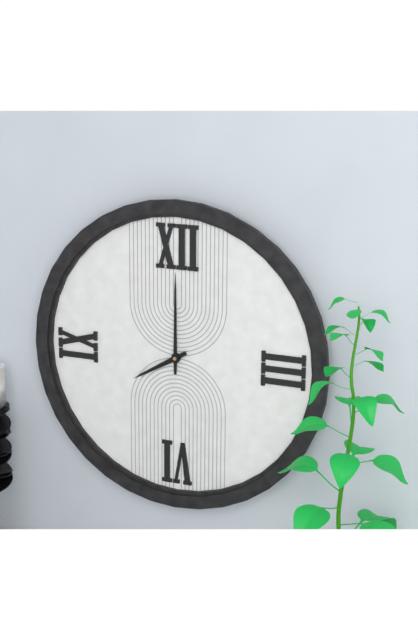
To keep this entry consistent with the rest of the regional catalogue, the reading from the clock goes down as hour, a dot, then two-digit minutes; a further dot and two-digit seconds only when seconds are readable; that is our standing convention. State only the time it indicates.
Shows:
8.00
